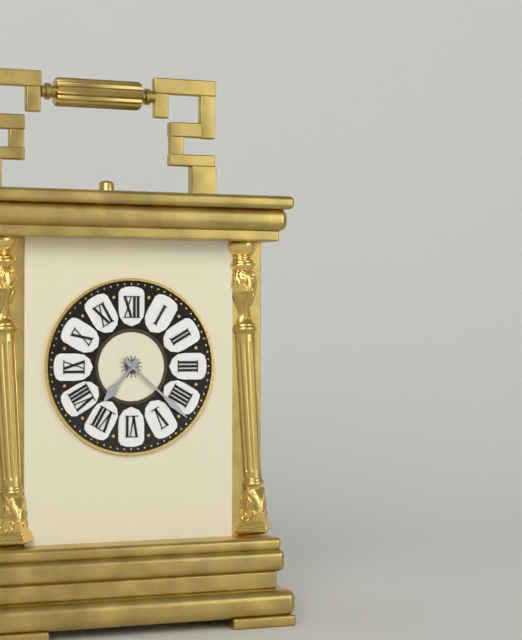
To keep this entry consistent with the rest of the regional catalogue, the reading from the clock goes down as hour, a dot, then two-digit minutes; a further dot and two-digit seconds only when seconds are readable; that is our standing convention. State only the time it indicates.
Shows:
7.22
